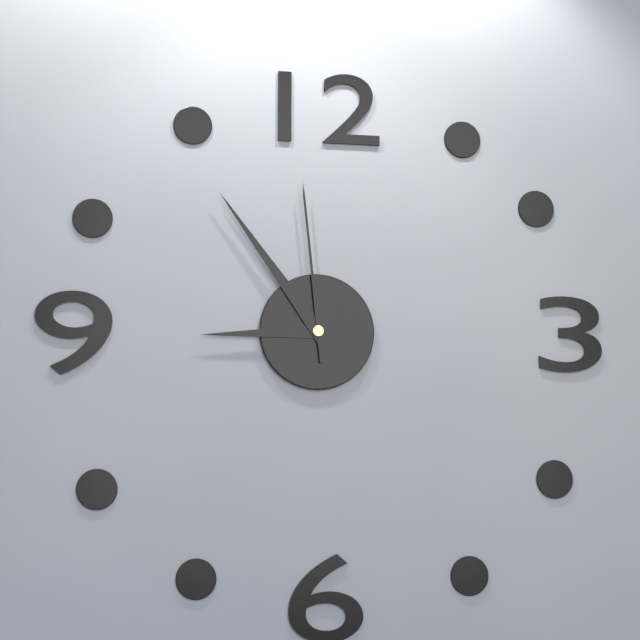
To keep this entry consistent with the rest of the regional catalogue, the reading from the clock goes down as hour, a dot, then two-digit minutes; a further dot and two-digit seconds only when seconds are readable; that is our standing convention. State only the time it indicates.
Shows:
8.54.59
